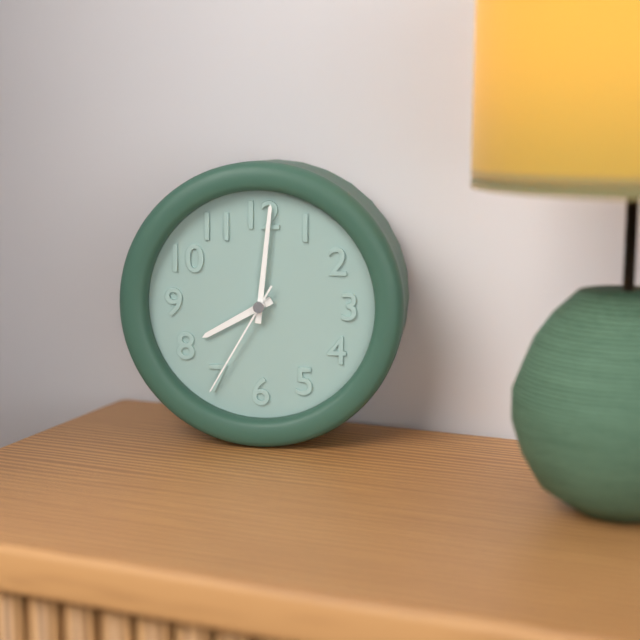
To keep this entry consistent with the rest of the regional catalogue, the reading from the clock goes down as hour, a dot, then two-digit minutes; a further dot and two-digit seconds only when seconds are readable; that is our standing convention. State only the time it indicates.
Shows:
8.01.35
